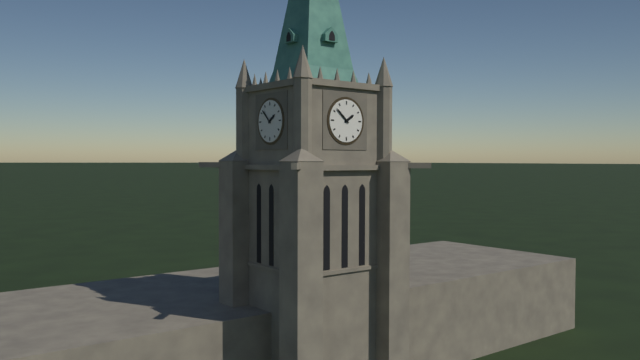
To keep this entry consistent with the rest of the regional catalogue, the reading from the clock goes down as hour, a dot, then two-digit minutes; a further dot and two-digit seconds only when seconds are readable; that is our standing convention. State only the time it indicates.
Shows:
1.52
